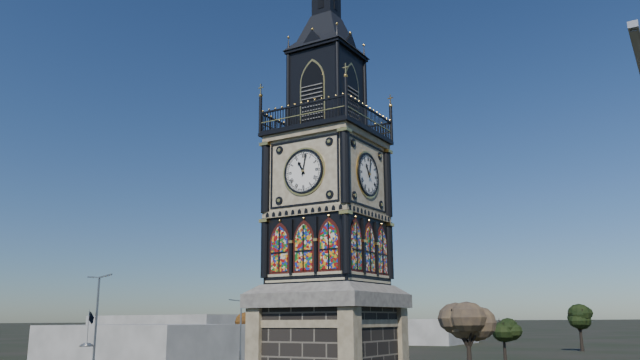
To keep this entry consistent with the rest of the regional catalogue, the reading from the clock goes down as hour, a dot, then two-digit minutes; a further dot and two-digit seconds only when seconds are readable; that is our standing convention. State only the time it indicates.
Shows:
11.02
